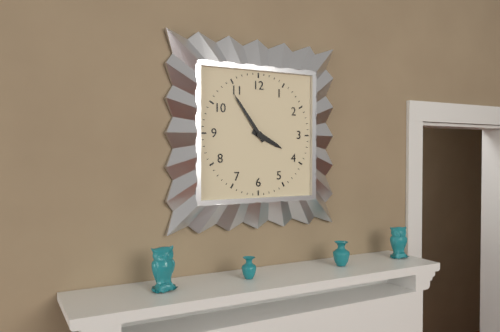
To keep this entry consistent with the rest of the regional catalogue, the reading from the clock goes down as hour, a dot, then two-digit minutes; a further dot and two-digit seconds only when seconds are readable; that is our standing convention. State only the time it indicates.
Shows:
3.54
